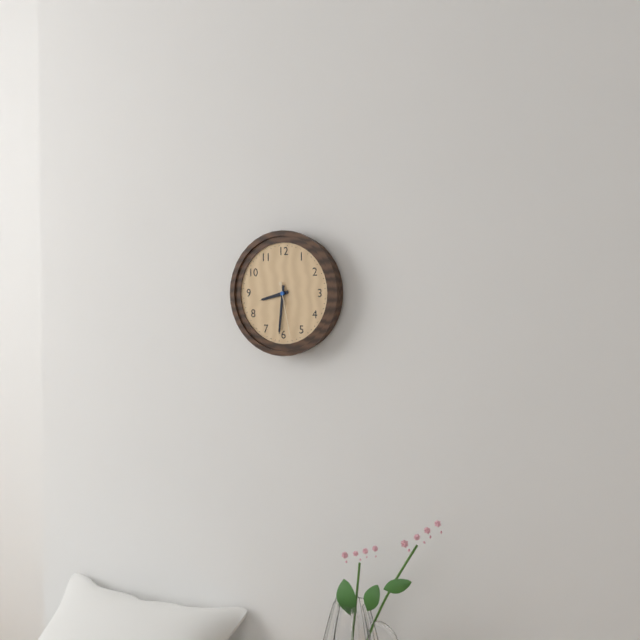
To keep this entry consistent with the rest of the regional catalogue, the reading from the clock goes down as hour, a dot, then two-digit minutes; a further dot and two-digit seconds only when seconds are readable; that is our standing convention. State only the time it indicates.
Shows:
8.31.28
